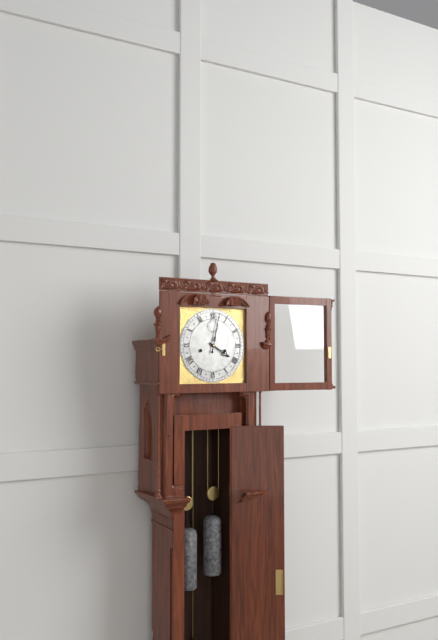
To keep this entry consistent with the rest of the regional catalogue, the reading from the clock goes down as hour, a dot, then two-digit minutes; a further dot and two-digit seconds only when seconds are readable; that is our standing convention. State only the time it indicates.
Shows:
4.02
